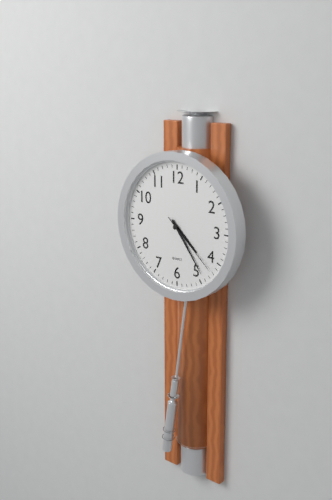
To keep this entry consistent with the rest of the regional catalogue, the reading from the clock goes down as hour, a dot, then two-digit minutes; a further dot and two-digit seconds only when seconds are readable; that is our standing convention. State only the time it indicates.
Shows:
4.24.22
